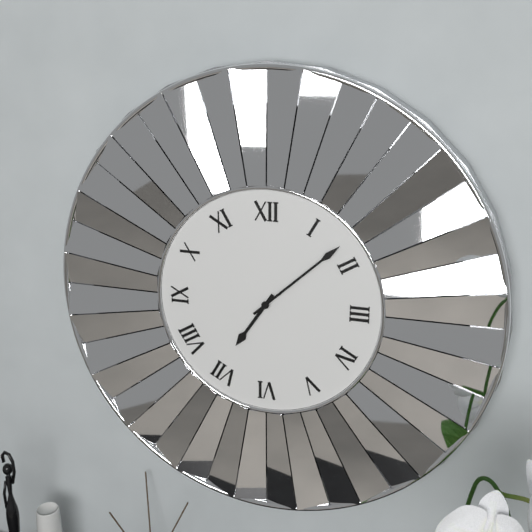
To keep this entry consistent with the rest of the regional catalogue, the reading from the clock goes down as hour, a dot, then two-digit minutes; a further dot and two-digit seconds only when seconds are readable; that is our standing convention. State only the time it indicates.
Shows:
7.08
